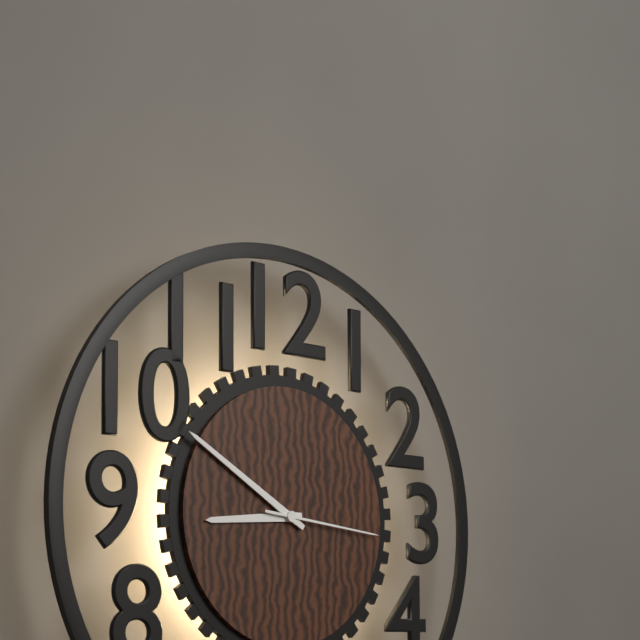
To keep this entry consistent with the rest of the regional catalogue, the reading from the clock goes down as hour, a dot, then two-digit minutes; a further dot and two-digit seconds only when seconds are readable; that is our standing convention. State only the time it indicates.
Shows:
8.50.16
